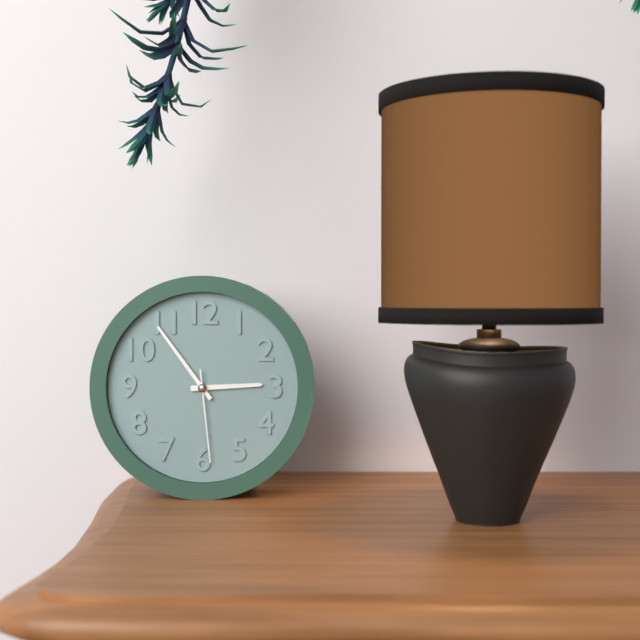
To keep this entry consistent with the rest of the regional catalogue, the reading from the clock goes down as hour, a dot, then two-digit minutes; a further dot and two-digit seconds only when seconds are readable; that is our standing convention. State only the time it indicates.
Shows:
2.54.29
